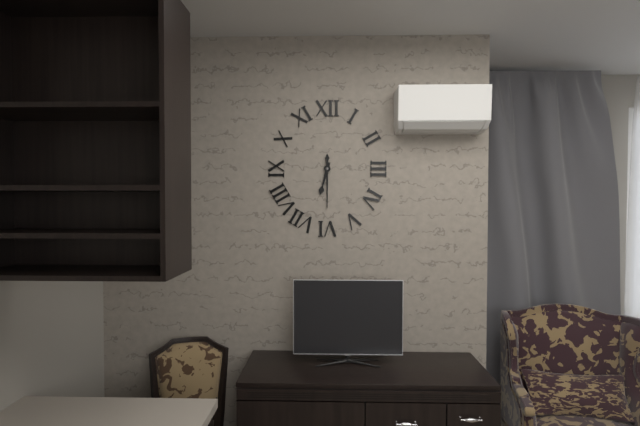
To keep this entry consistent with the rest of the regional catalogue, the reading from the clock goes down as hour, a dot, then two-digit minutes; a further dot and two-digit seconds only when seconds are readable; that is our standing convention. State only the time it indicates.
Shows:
6.30
